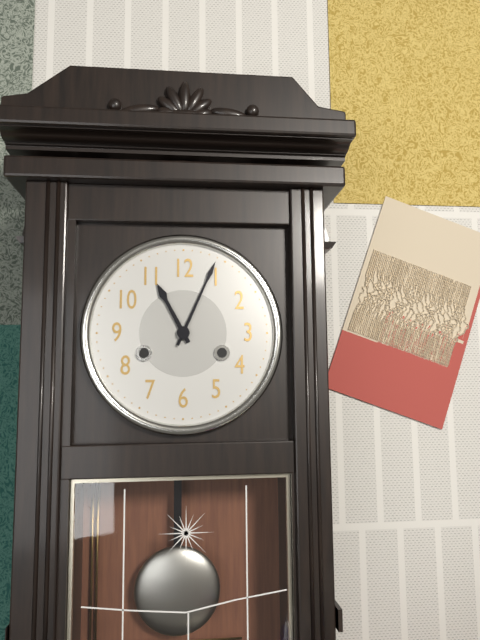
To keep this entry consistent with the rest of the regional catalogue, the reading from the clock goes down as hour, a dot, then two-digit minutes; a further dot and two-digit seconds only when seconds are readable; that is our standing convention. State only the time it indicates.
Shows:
11.04
